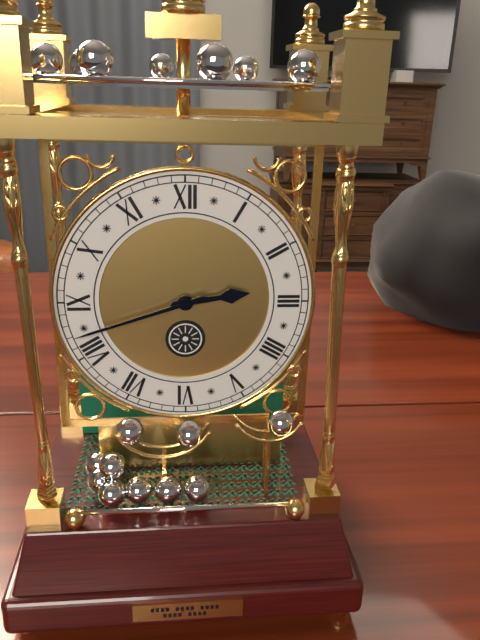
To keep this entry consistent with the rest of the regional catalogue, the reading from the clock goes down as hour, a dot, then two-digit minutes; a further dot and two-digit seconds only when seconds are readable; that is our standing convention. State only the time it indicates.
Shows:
2.42
